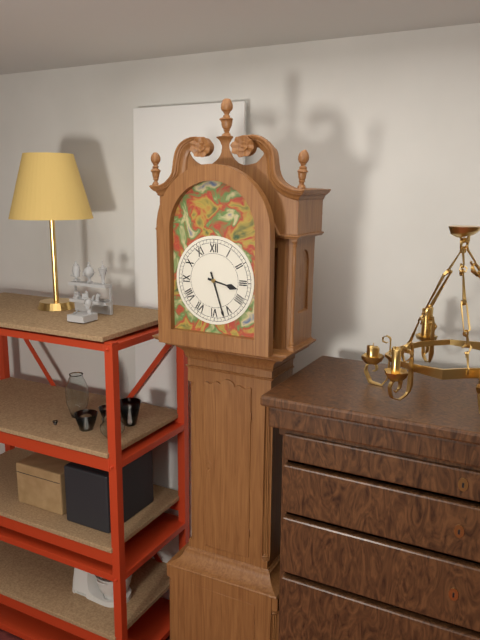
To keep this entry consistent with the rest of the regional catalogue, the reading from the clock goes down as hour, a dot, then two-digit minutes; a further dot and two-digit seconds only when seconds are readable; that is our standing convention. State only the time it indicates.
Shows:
3.27
